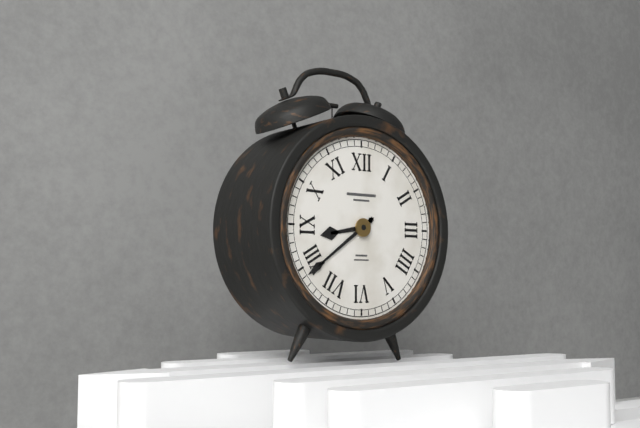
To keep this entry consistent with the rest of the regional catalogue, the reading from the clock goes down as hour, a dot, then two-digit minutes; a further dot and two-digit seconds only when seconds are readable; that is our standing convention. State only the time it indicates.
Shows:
8.39
